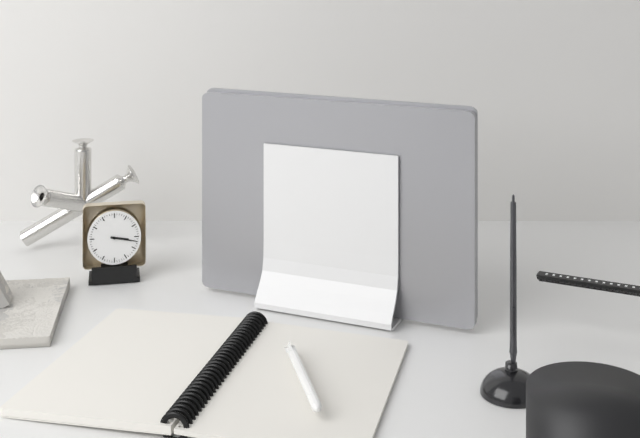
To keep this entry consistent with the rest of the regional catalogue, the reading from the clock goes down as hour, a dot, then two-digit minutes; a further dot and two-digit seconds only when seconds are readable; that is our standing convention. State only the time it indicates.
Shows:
3.17
